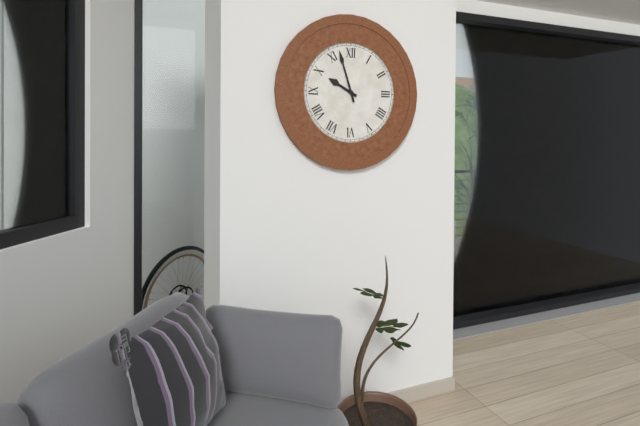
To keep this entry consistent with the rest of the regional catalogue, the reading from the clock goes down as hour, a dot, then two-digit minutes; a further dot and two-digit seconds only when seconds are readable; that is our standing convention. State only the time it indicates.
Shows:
9.57
